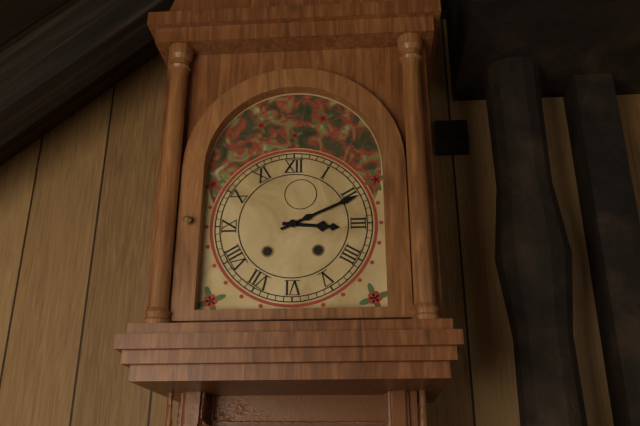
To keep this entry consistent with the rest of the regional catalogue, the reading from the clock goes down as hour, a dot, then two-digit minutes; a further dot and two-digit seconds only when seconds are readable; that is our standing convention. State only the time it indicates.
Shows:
3.11
